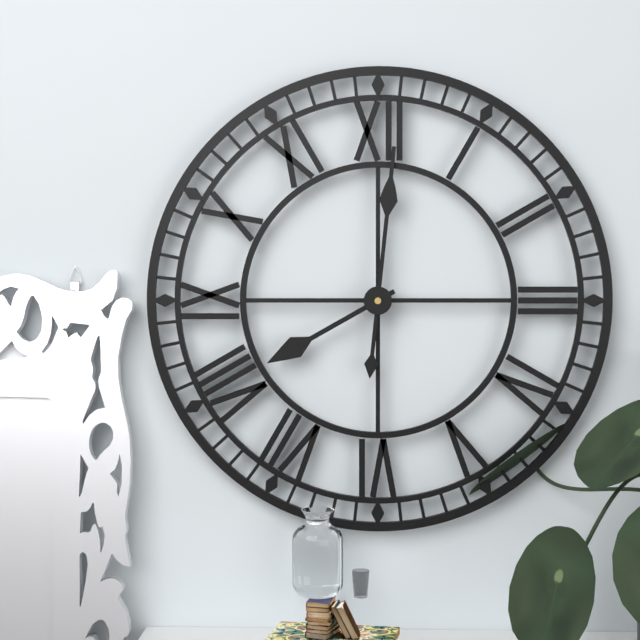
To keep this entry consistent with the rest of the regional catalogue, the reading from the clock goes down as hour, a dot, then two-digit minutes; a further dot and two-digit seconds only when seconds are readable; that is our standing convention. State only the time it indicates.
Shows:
8.01
